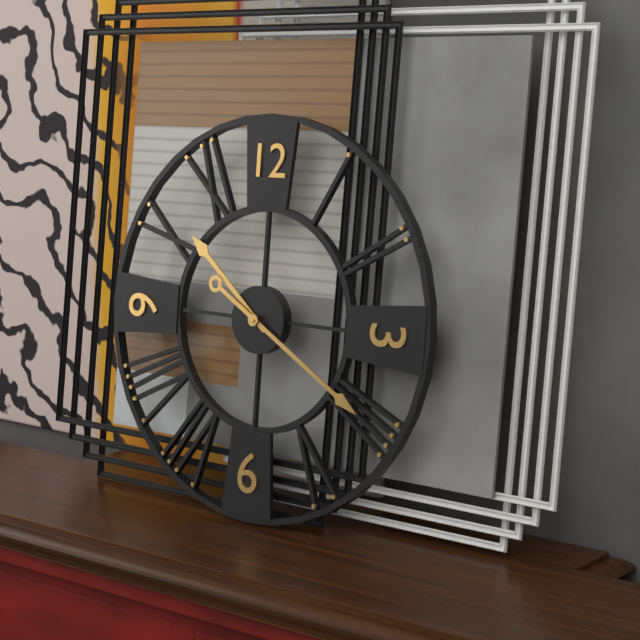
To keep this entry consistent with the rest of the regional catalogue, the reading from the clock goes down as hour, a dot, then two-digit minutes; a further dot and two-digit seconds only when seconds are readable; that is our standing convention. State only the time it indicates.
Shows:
10.20
